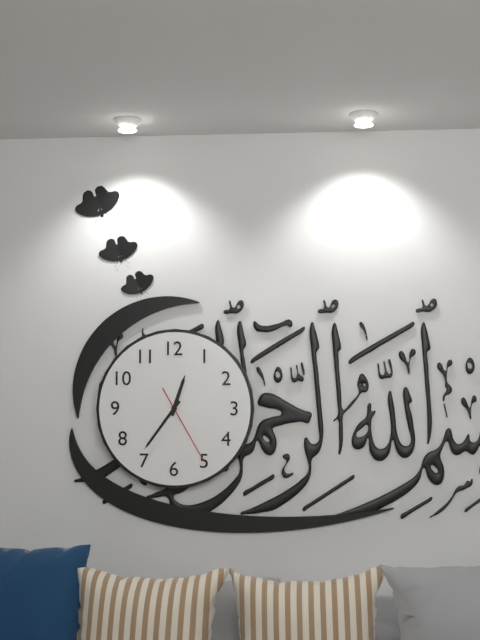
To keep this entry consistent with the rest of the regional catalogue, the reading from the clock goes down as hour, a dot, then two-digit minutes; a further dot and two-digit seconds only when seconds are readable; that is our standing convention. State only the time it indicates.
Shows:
12.36.25
